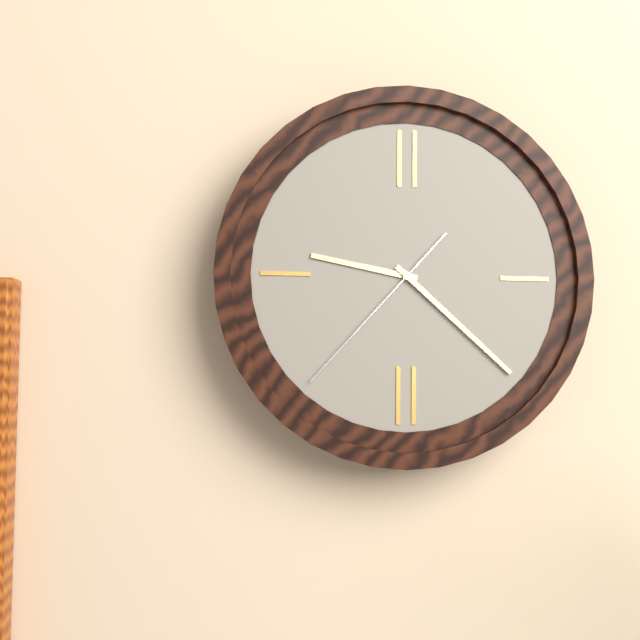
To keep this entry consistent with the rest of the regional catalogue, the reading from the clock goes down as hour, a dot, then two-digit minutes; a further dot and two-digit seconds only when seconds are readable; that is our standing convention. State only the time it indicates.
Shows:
9.22.37
